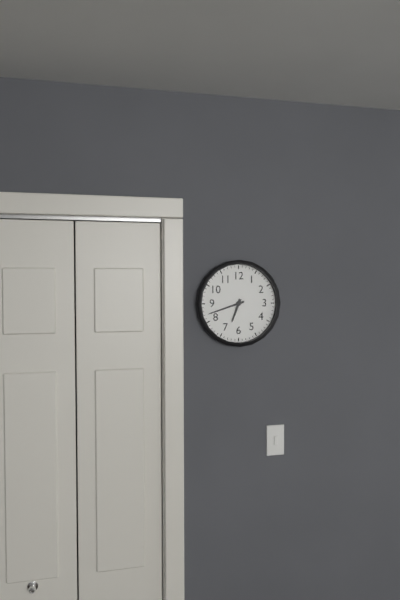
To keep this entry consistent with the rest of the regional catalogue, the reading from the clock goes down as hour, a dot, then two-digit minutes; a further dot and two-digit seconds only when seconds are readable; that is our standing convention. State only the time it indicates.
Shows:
6.42
